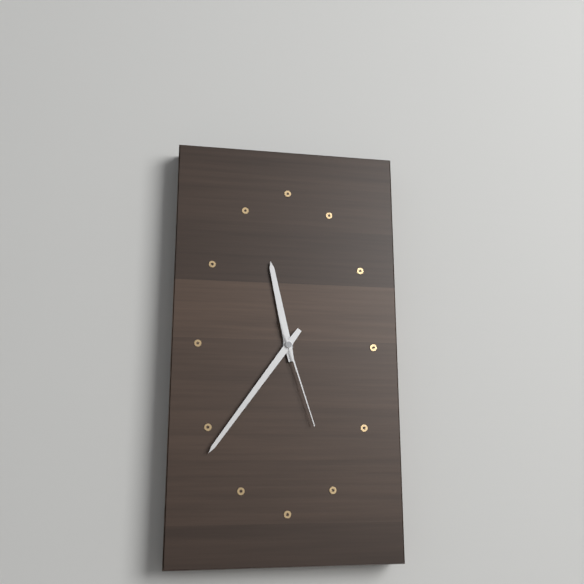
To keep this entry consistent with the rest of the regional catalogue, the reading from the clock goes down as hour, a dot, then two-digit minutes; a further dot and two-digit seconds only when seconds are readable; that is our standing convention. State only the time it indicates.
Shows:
11.36.27
